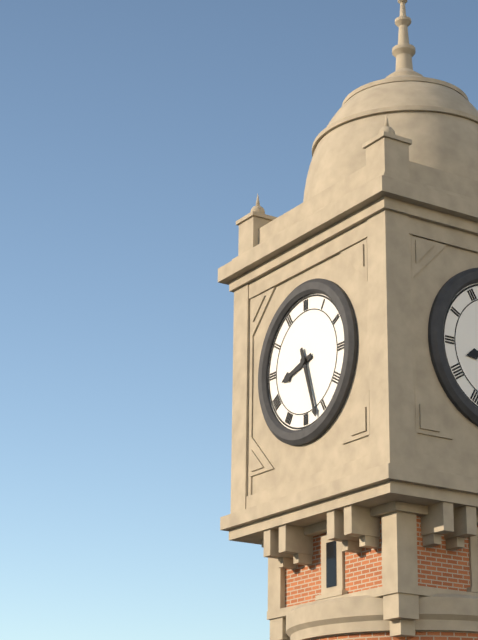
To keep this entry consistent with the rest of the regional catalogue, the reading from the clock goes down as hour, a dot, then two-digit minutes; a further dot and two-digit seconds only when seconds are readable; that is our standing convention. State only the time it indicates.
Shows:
8.27
